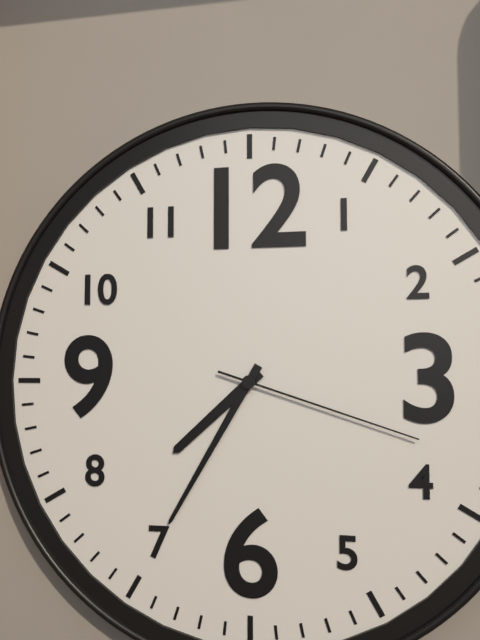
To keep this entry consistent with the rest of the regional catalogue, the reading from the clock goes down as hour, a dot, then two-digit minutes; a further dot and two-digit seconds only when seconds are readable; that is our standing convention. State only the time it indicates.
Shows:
7.35.18
